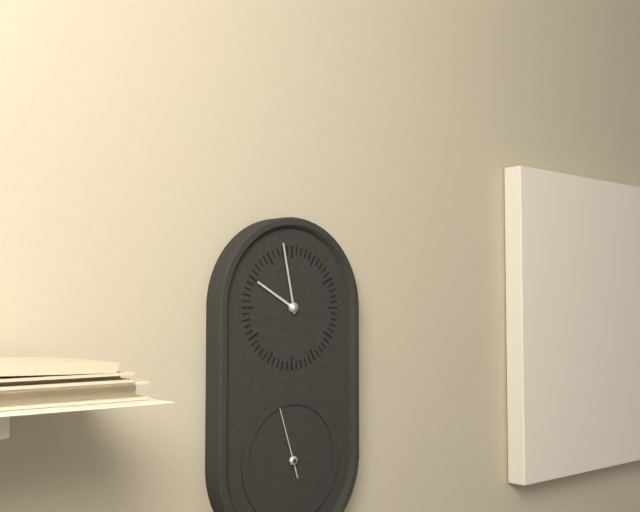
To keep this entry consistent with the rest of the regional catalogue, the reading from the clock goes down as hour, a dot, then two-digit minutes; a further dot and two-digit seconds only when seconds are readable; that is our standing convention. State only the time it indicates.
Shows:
9.58.57
